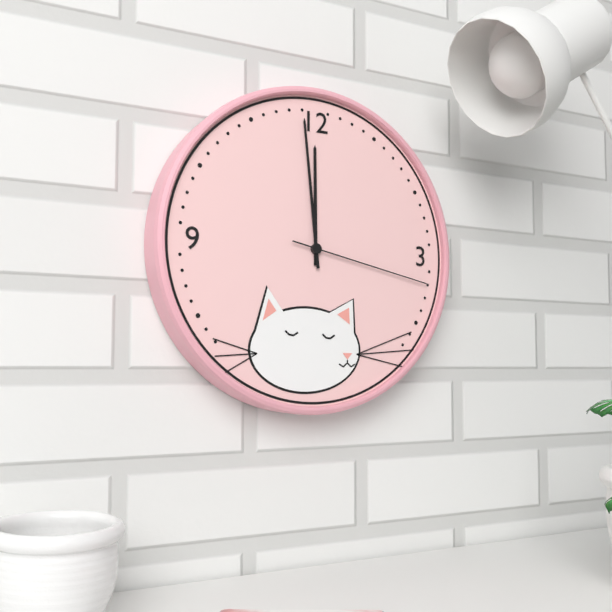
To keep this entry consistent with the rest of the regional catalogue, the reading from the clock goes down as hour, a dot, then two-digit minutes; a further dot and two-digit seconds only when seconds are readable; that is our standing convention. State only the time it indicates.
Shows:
11.59.17
